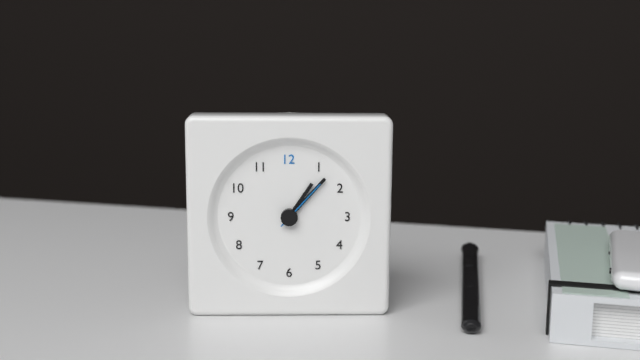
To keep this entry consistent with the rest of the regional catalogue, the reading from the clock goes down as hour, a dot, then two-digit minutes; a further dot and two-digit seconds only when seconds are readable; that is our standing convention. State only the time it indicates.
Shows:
1.07.07
